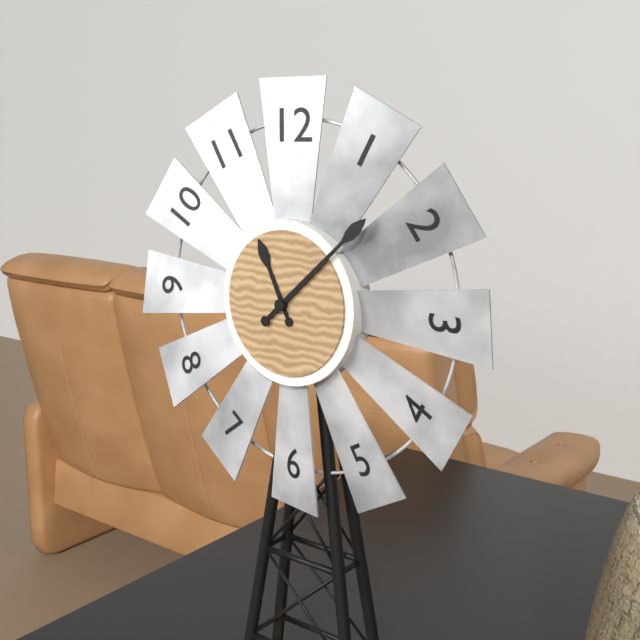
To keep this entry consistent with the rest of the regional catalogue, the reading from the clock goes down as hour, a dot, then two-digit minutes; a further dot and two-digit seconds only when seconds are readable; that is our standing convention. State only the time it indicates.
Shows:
11.08
